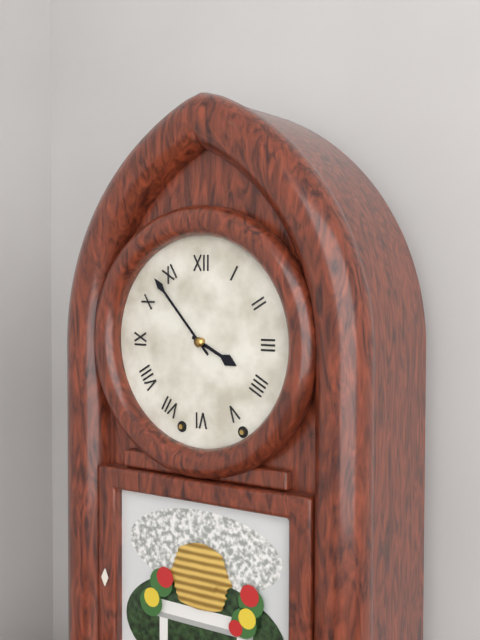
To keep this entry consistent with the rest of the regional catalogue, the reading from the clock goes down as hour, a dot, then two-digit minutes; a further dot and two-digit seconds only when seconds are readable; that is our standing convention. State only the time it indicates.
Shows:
3.53
